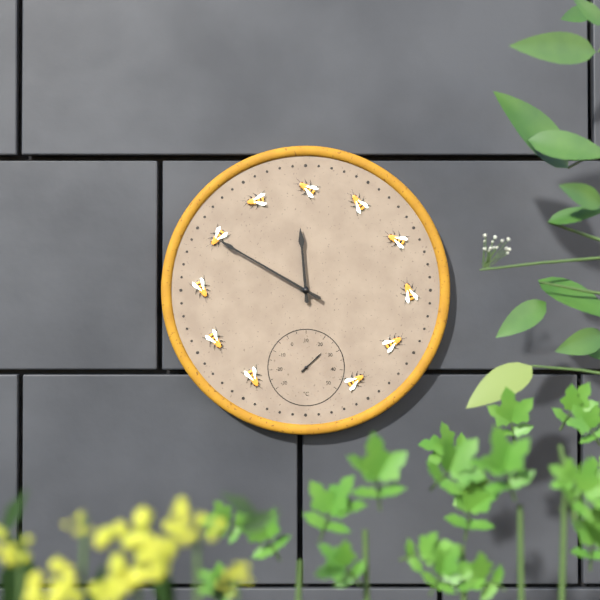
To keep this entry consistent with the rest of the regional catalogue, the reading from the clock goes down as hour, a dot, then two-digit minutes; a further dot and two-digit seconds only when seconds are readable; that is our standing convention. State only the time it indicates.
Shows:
11.50
